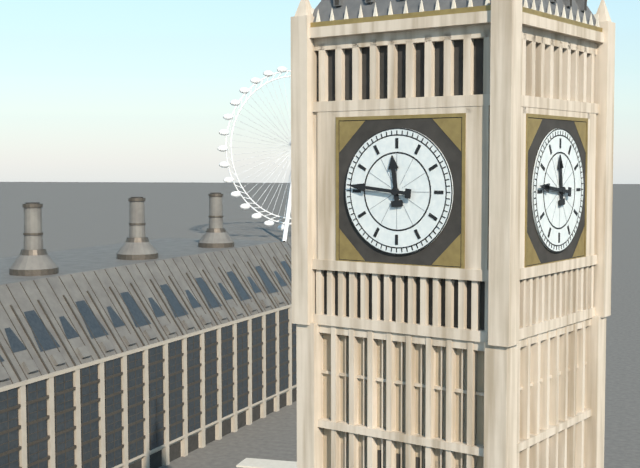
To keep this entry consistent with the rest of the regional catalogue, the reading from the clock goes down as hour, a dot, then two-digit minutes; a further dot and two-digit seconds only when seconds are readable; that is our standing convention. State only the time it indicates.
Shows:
11.46
